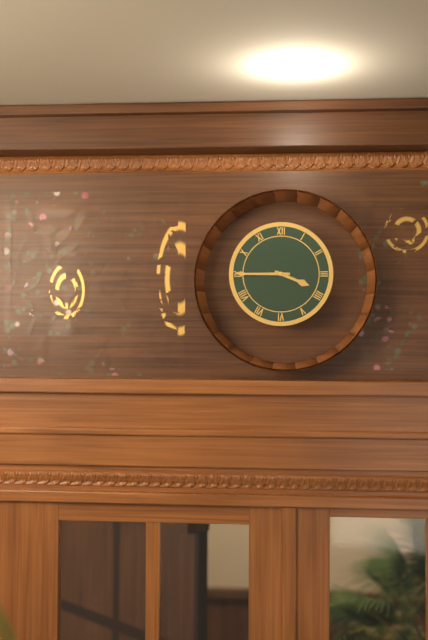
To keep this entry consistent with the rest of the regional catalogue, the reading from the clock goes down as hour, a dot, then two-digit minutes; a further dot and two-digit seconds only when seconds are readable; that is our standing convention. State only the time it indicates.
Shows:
3.45
